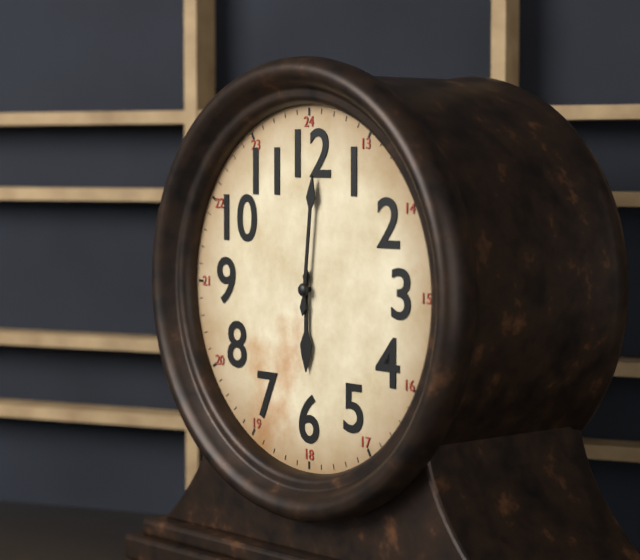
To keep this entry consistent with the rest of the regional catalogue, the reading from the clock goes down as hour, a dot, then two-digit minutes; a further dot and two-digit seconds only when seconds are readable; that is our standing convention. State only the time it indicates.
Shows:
6.01
